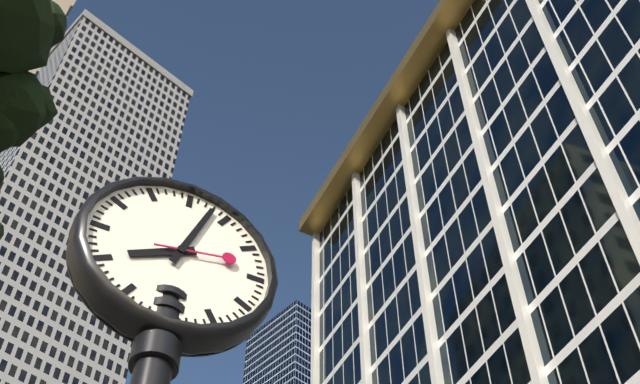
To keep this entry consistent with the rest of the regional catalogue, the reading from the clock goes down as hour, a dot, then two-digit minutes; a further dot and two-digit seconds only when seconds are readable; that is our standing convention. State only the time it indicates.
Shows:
8.03.13
